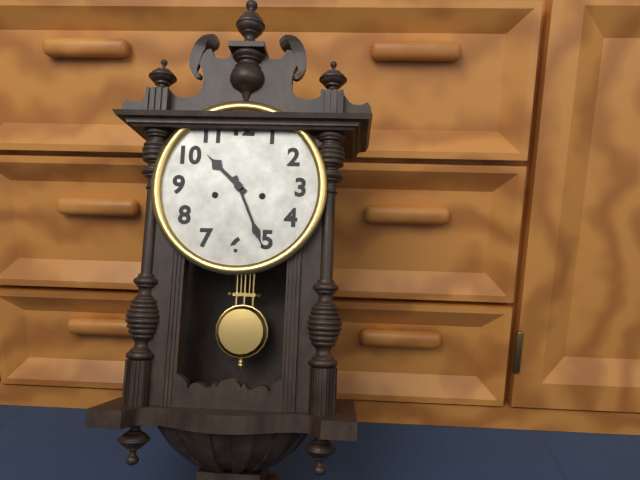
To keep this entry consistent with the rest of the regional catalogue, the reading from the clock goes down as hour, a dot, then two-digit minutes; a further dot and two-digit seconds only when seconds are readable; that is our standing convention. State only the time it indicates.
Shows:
10.26
